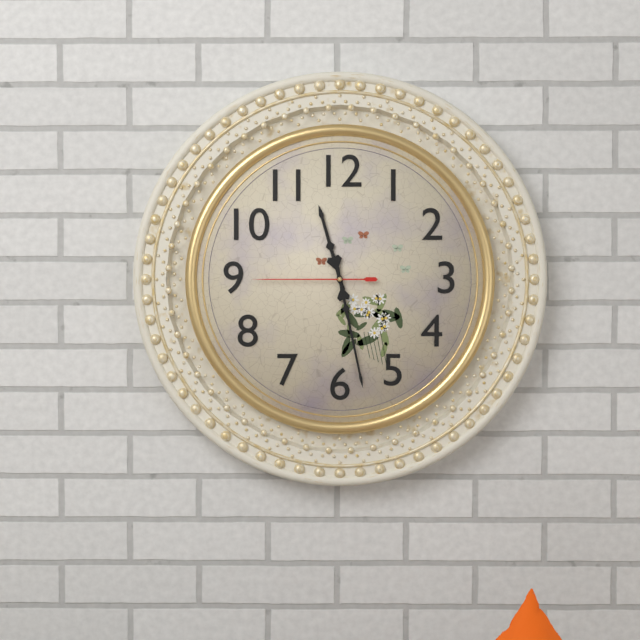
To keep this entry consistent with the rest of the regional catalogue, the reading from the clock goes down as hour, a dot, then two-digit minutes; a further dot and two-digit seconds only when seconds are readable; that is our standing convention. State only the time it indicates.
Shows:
11.28.45
